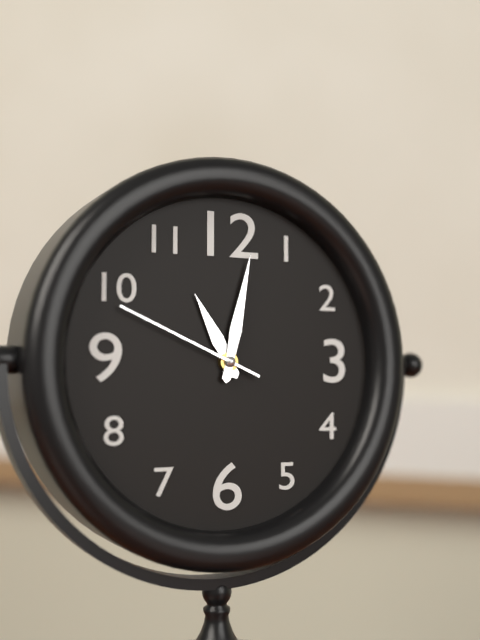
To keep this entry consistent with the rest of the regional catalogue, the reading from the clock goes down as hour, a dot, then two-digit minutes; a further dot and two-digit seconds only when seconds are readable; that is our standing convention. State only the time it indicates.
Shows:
11.02.49
